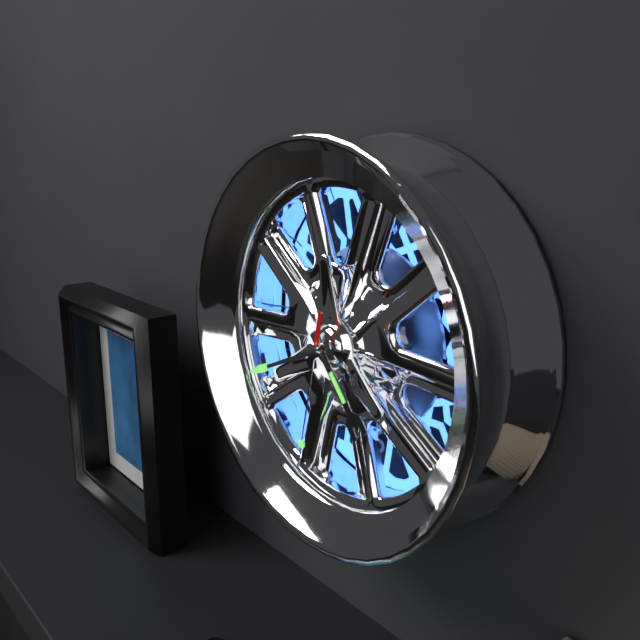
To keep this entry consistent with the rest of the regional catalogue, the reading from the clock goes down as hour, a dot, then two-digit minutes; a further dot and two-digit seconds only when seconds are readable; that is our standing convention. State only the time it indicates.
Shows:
4.41.32
